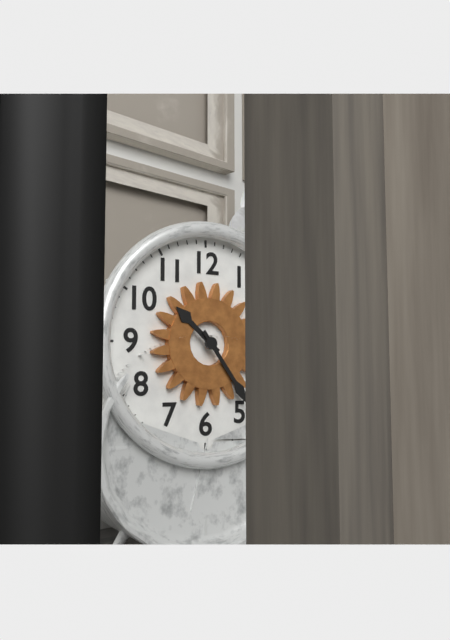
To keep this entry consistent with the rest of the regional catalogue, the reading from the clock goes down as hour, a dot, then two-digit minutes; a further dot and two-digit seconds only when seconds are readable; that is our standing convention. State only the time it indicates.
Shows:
10.24
